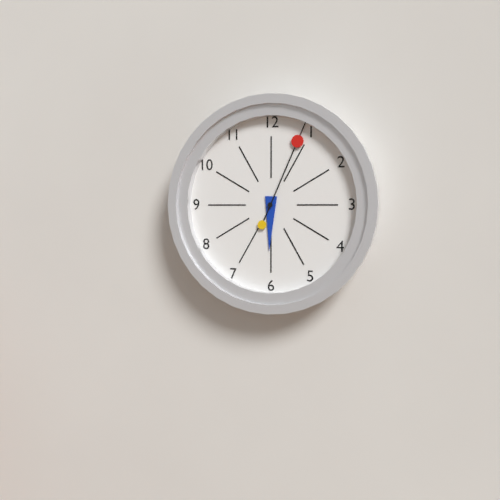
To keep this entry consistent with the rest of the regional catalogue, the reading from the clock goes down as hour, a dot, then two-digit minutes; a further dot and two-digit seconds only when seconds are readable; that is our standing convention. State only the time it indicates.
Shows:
6.04
